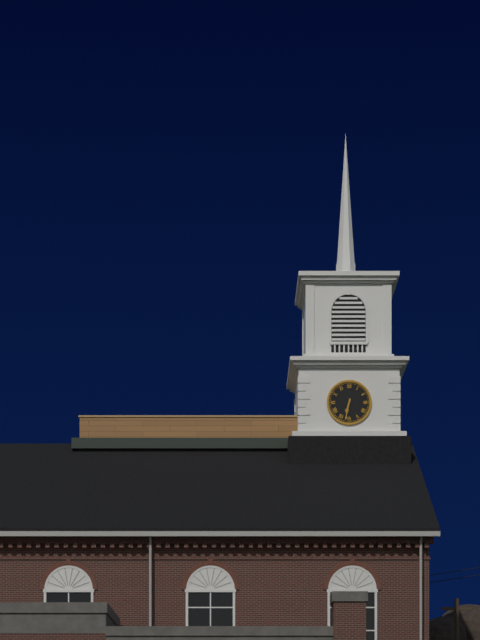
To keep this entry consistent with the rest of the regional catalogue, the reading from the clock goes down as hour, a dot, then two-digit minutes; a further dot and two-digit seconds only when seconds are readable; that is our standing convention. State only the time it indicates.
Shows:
6.32
